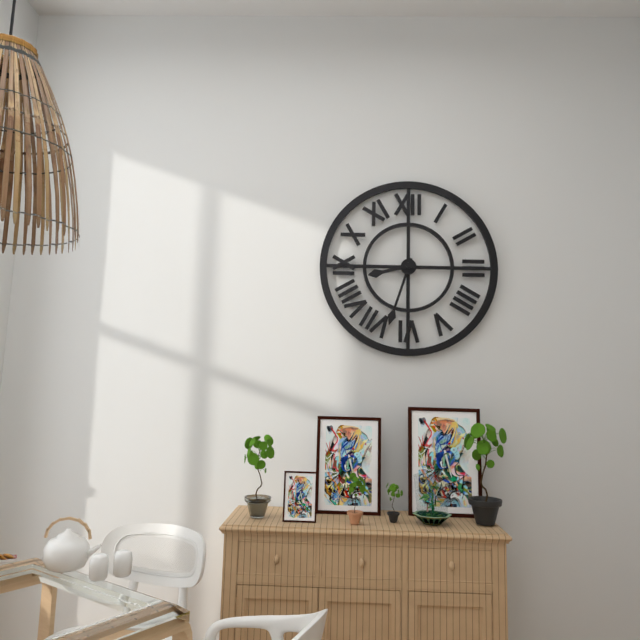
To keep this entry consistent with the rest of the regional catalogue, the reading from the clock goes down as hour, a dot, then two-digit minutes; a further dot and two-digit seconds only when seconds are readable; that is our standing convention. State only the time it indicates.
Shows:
8.33
